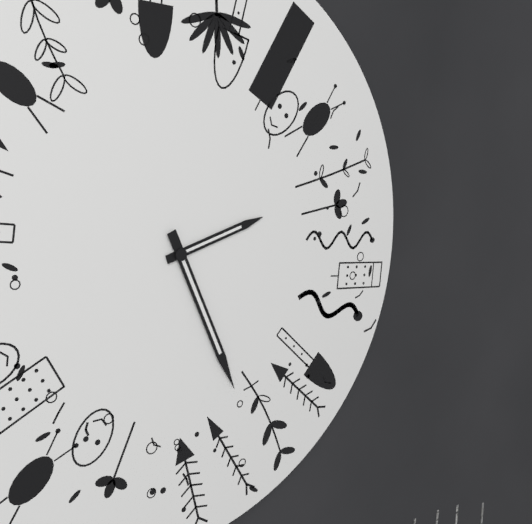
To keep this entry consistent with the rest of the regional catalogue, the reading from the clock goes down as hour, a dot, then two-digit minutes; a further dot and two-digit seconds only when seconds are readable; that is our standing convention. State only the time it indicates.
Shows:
2.26
